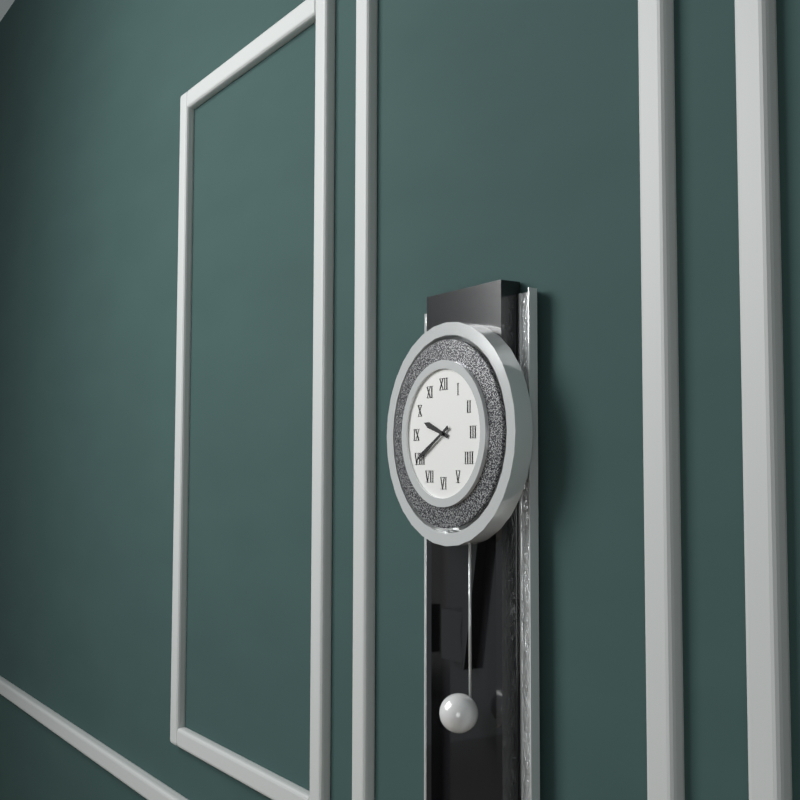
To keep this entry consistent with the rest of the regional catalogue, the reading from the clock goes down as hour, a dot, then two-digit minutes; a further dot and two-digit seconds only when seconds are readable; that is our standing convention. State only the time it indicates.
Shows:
9.40
